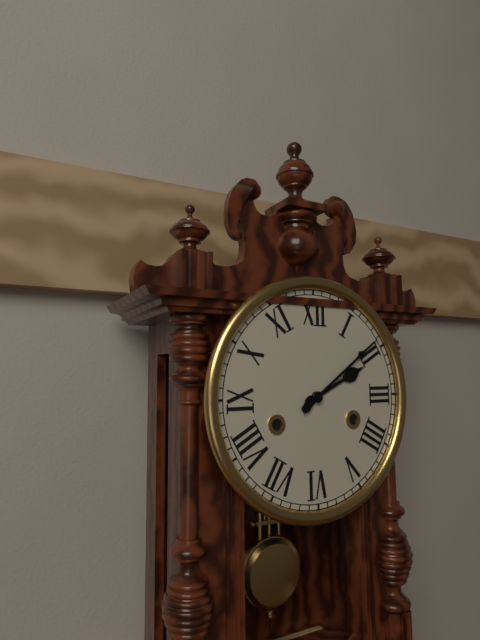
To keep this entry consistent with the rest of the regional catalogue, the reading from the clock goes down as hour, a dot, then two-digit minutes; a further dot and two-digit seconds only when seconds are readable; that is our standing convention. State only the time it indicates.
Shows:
2.09
